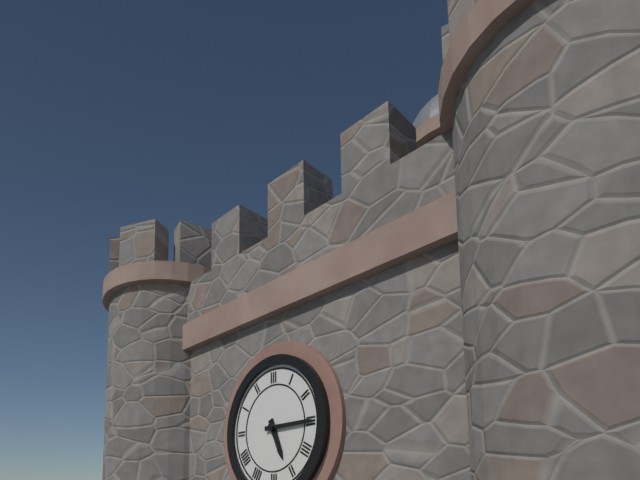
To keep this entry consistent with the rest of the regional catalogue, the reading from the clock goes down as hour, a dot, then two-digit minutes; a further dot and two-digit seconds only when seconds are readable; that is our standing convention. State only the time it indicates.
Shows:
5.15
